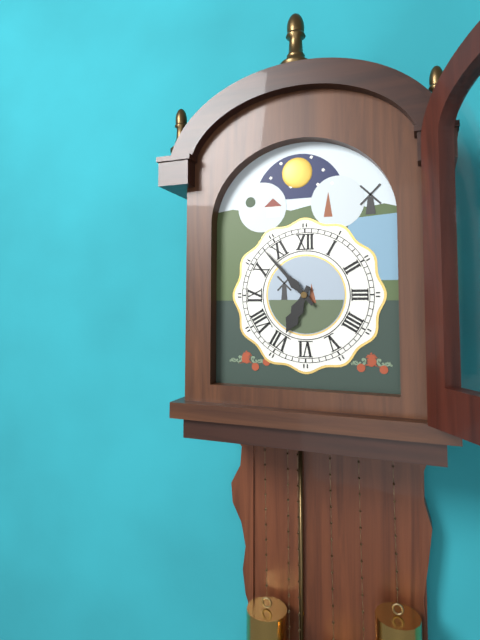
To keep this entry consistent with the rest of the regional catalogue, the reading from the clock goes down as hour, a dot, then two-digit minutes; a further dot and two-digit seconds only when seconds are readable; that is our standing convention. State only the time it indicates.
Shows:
6.53
